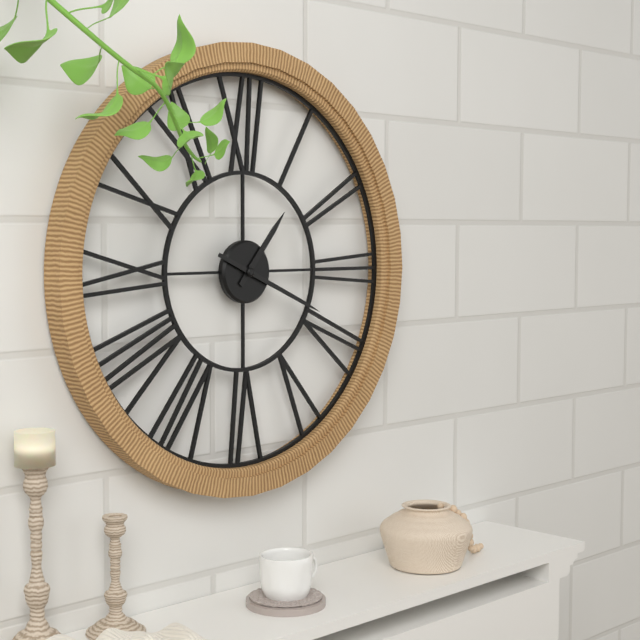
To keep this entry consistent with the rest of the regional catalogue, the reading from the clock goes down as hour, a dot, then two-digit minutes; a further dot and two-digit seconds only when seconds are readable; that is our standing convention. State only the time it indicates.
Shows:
1.19
